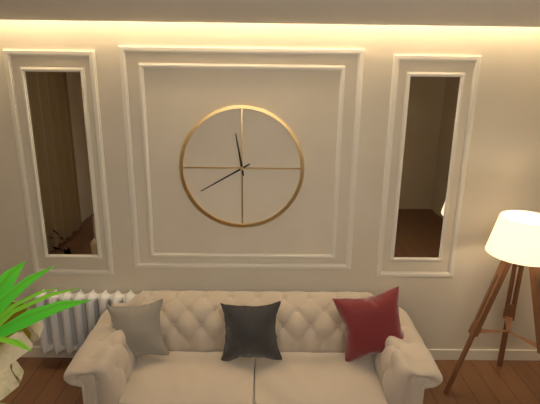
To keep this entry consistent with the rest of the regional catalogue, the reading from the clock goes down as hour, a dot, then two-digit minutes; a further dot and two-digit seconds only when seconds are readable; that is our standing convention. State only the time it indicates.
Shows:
11.40
